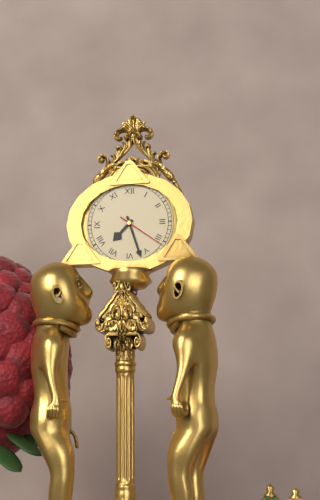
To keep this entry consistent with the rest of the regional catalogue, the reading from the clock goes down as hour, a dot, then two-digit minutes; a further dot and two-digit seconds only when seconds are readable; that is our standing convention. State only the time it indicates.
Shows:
7.27
